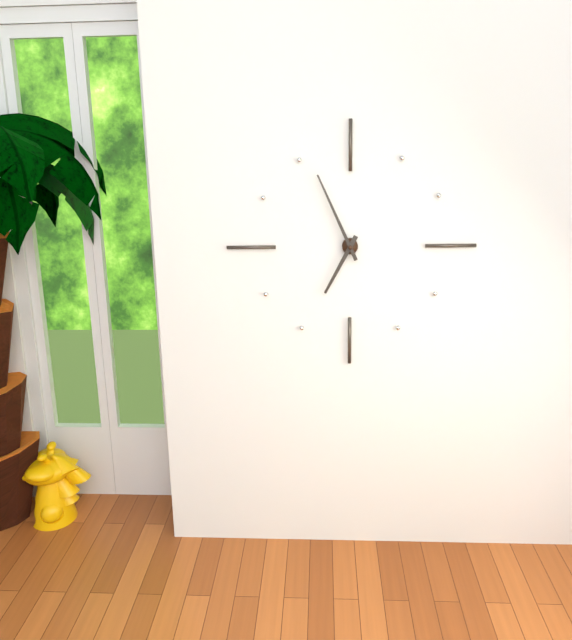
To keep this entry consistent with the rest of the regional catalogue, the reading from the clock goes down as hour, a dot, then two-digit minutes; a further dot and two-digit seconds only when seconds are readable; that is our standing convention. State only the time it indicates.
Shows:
6.56
